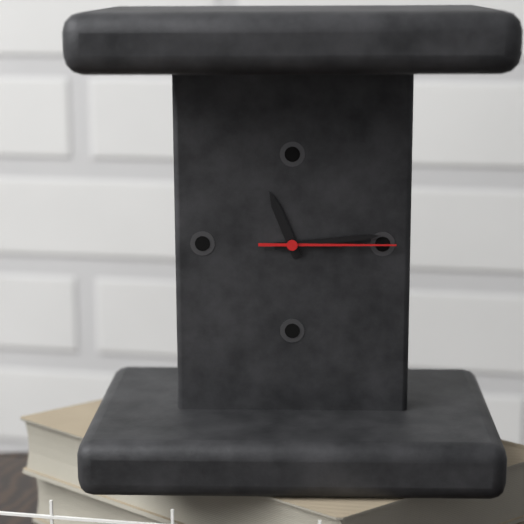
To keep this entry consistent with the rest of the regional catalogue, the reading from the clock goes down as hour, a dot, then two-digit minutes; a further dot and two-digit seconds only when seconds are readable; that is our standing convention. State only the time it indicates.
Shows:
11.14.15
